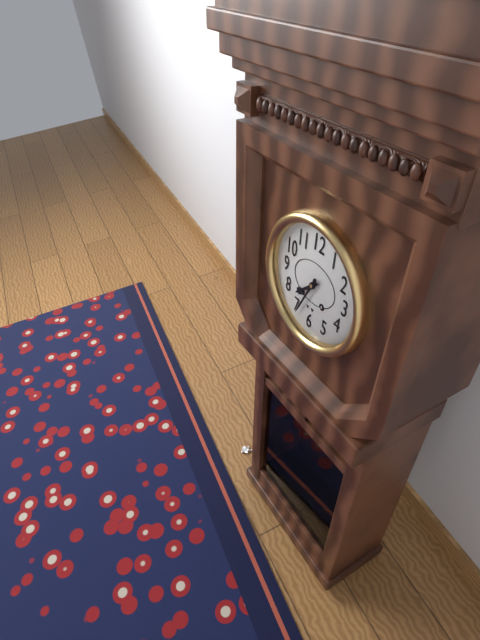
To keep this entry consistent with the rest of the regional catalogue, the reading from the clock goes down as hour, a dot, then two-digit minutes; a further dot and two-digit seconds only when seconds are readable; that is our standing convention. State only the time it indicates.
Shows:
7.34
